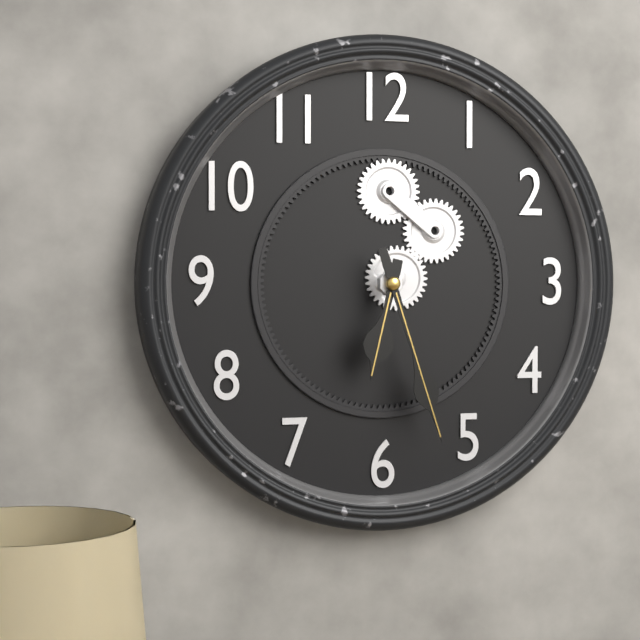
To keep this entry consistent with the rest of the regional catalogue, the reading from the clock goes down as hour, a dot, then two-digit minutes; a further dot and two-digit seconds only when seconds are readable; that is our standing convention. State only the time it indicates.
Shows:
6.27
